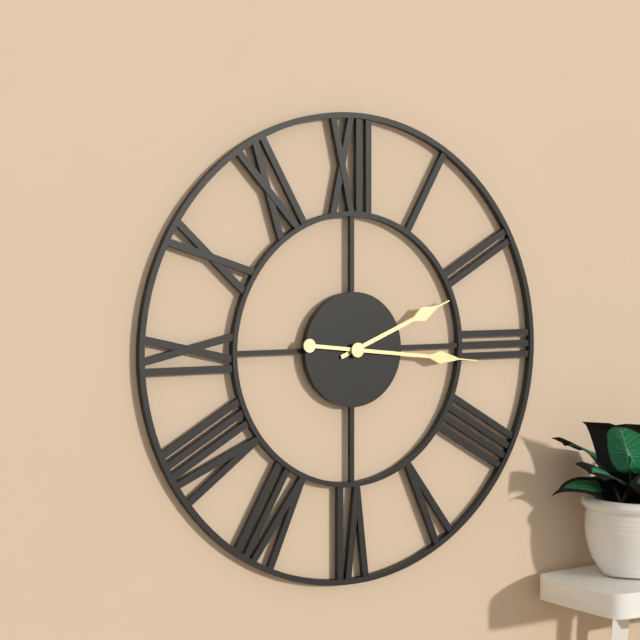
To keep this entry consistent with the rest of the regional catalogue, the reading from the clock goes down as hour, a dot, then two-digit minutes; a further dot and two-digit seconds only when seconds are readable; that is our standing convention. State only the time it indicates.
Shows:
2.16
